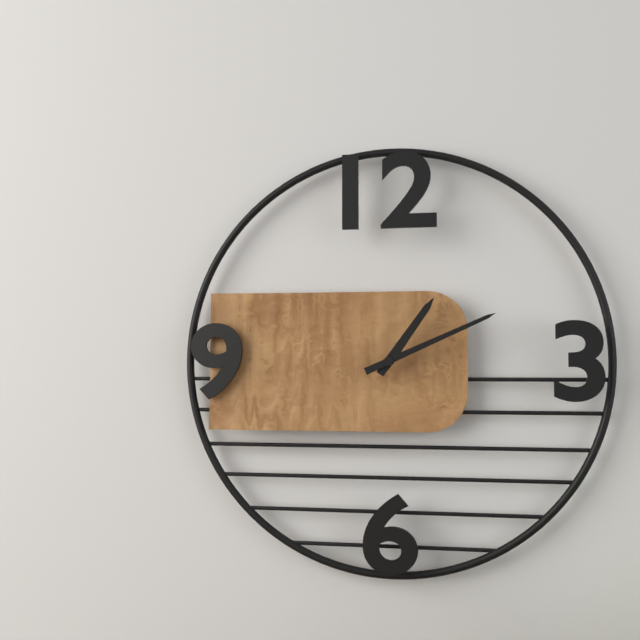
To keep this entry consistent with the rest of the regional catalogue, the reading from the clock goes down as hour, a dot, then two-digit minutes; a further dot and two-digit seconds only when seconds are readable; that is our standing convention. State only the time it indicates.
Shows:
1.11
